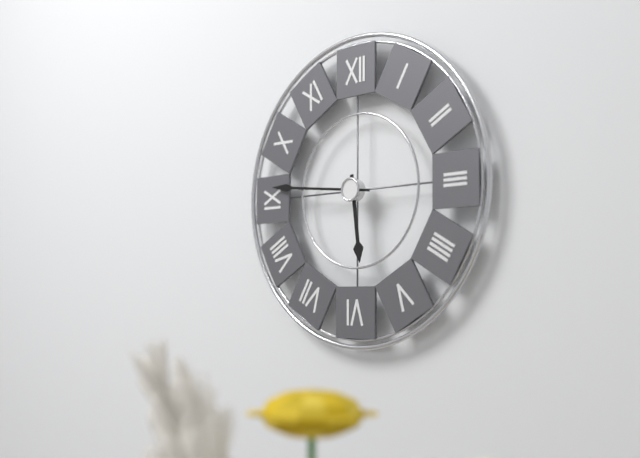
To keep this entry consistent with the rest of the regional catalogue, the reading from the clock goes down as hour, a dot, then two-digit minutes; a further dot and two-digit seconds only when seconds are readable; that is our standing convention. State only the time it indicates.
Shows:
5.46
